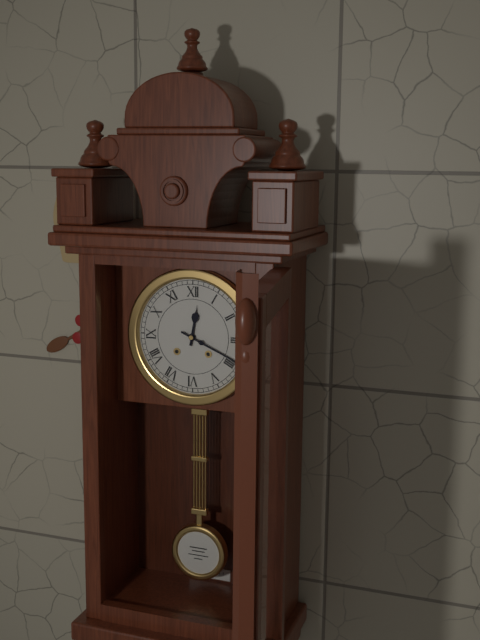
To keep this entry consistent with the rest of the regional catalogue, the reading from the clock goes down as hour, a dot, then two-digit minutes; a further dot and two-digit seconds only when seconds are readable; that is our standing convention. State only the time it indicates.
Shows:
12.19
